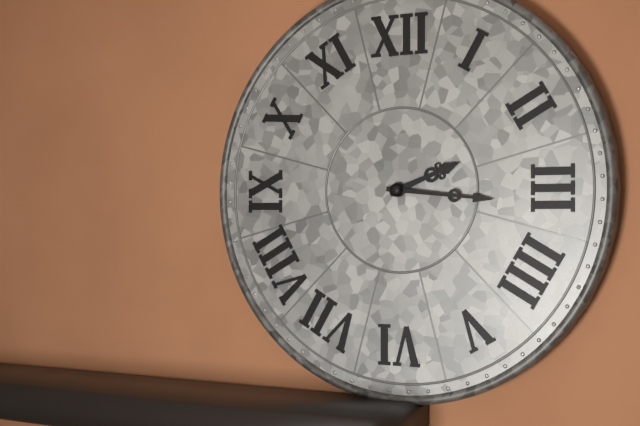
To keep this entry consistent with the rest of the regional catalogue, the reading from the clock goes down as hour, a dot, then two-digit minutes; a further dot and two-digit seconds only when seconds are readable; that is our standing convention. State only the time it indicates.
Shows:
2.16
